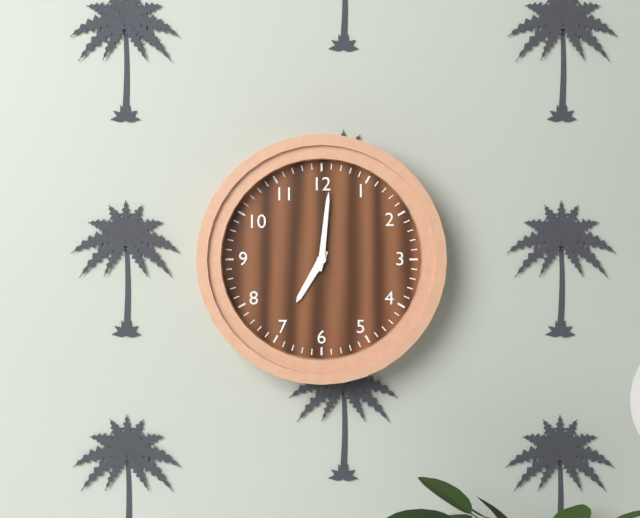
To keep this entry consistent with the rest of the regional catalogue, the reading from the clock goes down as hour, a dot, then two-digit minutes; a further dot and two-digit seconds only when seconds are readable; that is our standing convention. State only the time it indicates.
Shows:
7.01
